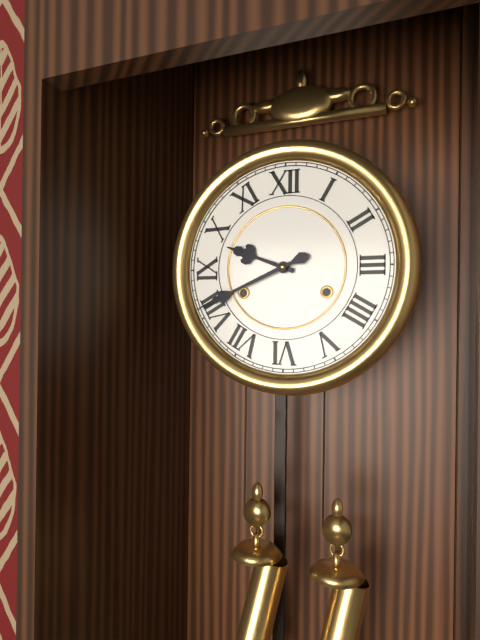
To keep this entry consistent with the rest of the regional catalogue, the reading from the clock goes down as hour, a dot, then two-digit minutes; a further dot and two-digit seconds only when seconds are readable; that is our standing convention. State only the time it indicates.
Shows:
9.41
